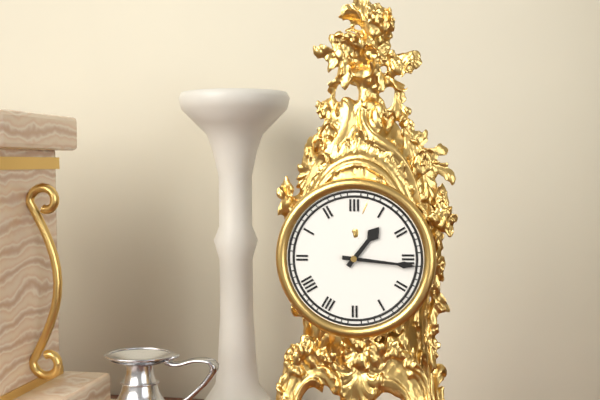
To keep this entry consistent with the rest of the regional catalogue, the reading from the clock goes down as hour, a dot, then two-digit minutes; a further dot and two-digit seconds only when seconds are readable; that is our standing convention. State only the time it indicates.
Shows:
1.16
